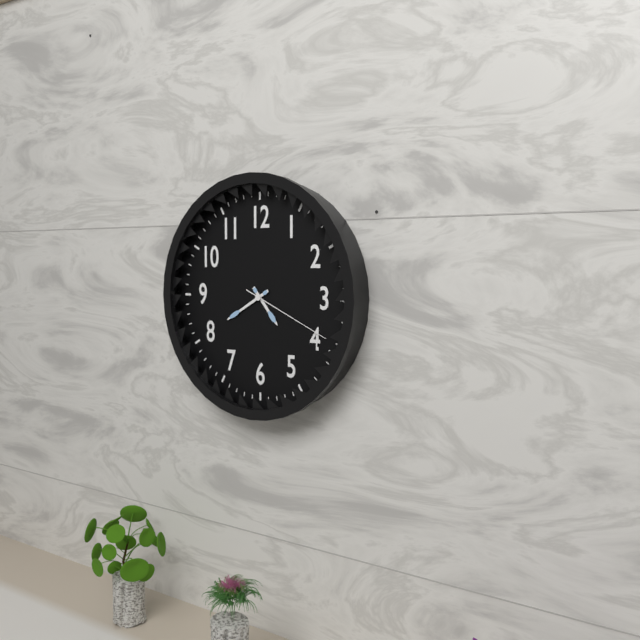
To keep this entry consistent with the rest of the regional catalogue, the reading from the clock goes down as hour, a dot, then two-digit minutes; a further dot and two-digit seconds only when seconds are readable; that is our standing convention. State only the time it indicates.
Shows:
4.40.19
